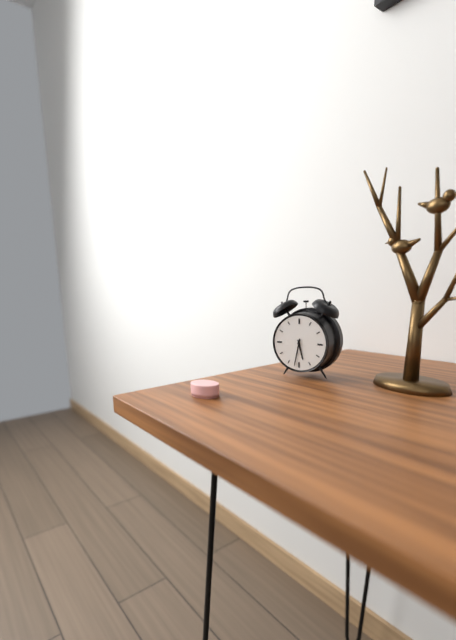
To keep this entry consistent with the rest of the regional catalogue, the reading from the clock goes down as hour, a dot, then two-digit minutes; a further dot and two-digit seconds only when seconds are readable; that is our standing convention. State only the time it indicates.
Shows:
5.32
